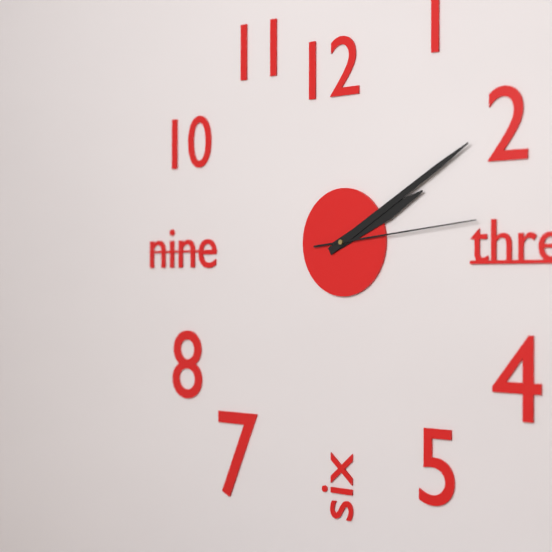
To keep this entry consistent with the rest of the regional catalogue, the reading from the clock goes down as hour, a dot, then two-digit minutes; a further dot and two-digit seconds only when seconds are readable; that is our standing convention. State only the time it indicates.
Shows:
2.10.14
